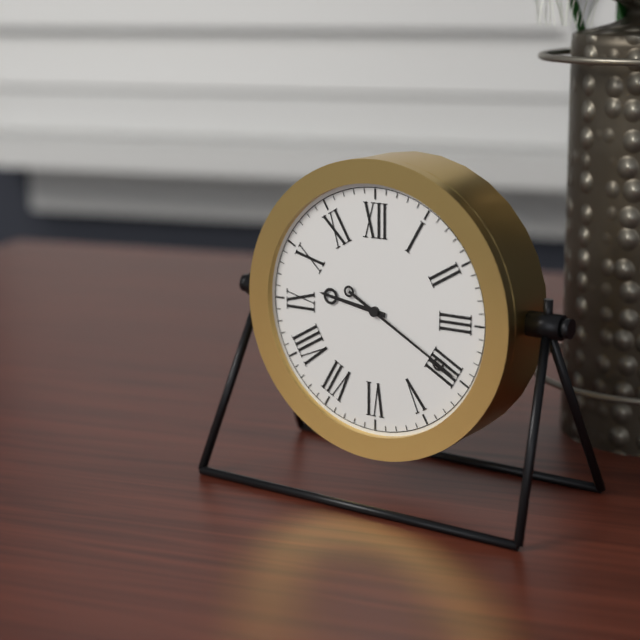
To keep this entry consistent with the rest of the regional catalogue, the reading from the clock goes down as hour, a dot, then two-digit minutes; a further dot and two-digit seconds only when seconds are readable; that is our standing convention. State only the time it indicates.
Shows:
9.20
